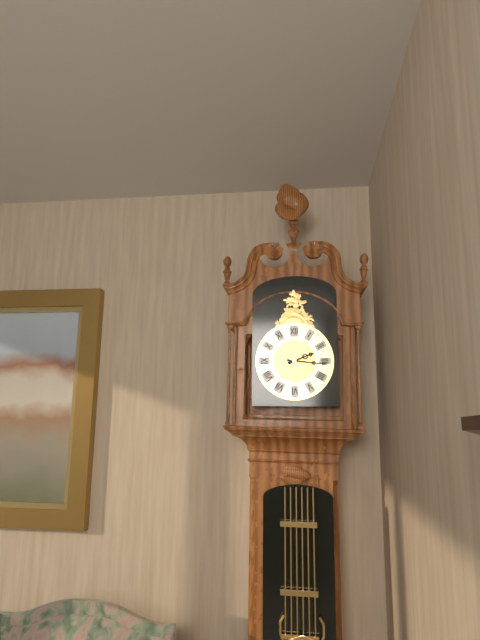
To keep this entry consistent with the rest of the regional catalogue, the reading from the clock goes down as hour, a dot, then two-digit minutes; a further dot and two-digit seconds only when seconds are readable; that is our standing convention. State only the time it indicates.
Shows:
2.16
